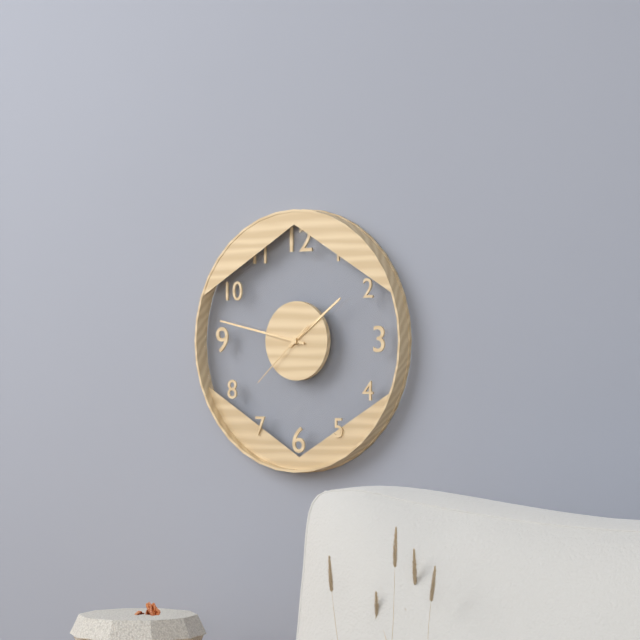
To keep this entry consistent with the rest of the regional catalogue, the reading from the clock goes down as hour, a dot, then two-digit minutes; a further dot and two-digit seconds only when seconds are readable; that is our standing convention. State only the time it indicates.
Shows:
1.47.38
